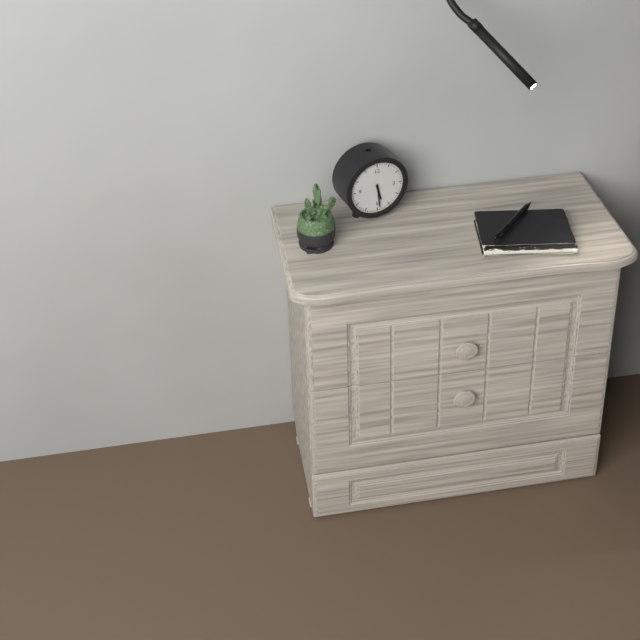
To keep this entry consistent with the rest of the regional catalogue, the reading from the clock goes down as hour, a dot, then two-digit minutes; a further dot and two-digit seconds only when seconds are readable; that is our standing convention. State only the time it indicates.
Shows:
5.29
